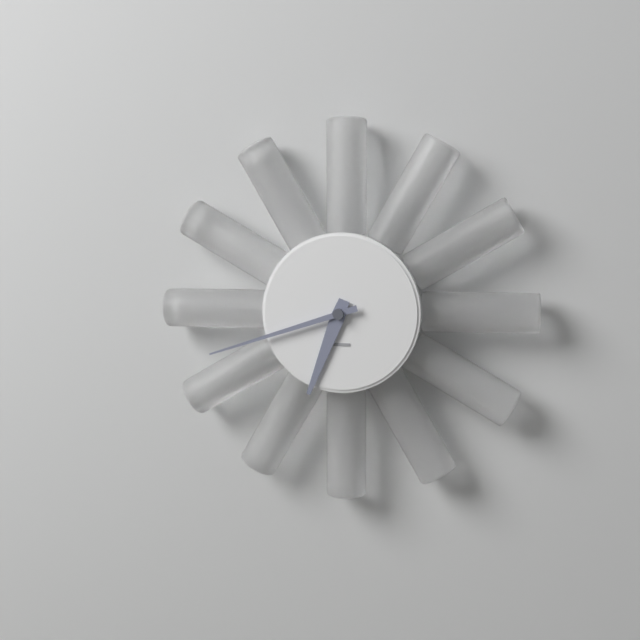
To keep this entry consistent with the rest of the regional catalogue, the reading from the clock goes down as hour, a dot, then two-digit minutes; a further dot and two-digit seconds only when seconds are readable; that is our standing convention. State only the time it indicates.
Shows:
6.42
